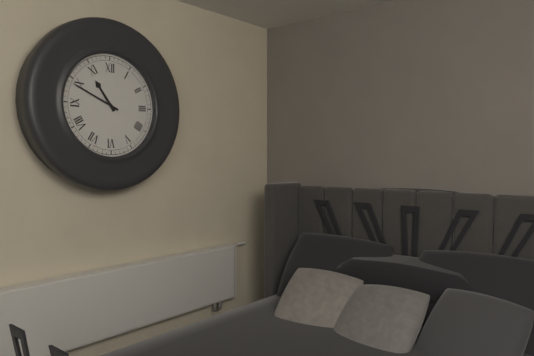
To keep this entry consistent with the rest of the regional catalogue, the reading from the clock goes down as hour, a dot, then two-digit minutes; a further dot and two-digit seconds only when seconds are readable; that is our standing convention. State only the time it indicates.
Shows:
10.49
